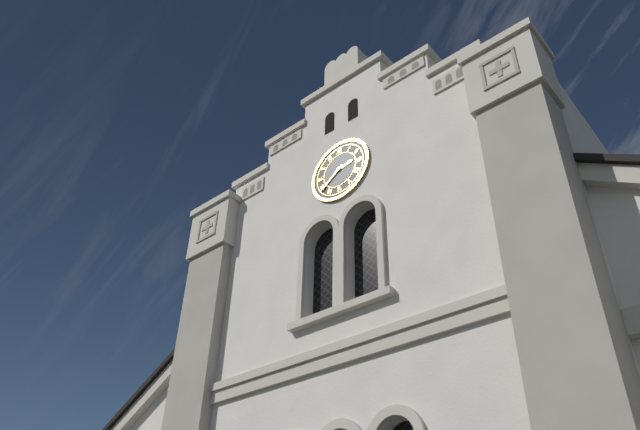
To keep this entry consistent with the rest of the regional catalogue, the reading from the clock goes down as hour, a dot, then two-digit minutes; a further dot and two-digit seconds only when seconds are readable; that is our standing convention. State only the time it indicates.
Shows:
2.39
